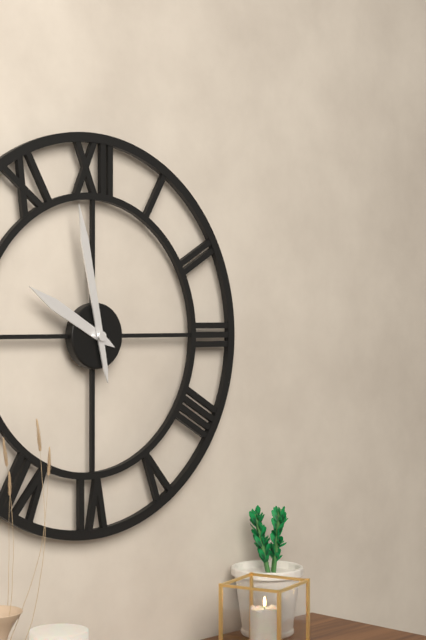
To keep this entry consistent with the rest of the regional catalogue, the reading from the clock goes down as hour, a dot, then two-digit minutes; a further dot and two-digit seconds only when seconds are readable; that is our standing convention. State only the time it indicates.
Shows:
9.58
